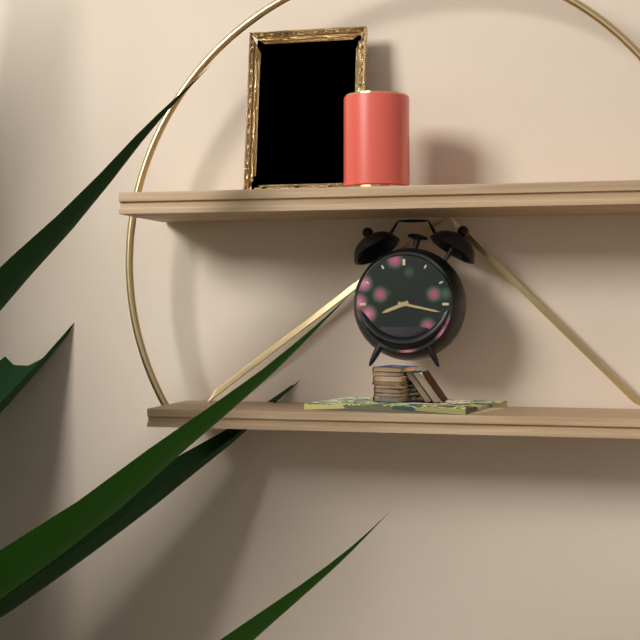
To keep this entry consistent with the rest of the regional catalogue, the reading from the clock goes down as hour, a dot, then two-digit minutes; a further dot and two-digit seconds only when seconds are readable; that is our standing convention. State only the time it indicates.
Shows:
8.17
